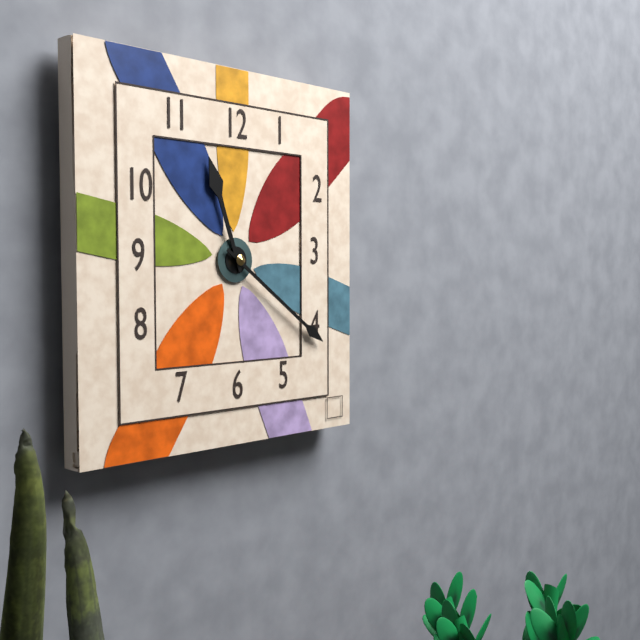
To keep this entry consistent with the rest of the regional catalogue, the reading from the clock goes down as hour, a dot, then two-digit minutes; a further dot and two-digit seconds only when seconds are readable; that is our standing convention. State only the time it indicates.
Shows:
11.21
